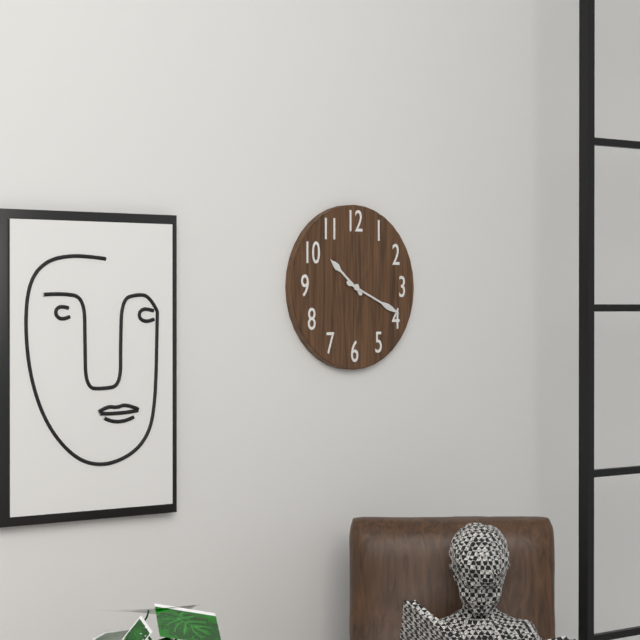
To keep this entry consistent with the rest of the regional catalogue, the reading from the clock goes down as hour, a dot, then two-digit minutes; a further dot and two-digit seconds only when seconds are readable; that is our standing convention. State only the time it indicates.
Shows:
10.19
